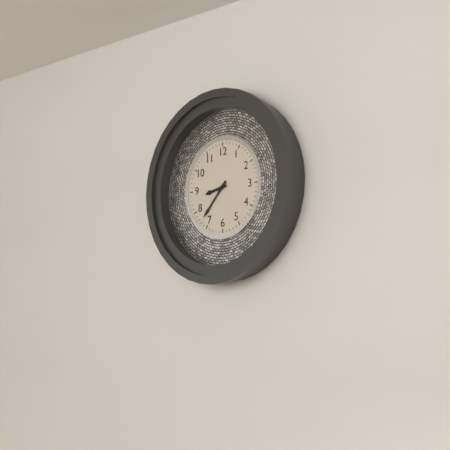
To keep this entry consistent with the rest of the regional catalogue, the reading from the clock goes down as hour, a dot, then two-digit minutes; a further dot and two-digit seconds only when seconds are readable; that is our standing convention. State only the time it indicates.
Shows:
8.37
